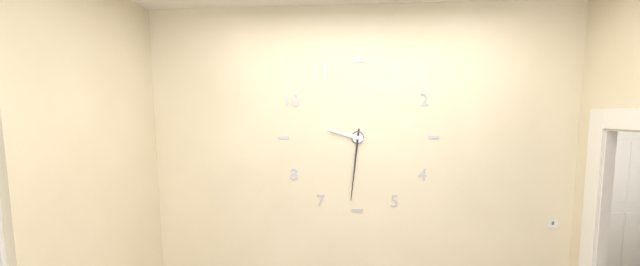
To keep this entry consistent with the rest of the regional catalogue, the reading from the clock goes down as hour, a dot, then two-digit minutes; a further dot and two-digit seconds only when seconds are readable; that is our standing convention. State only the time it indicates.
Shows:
9.31
